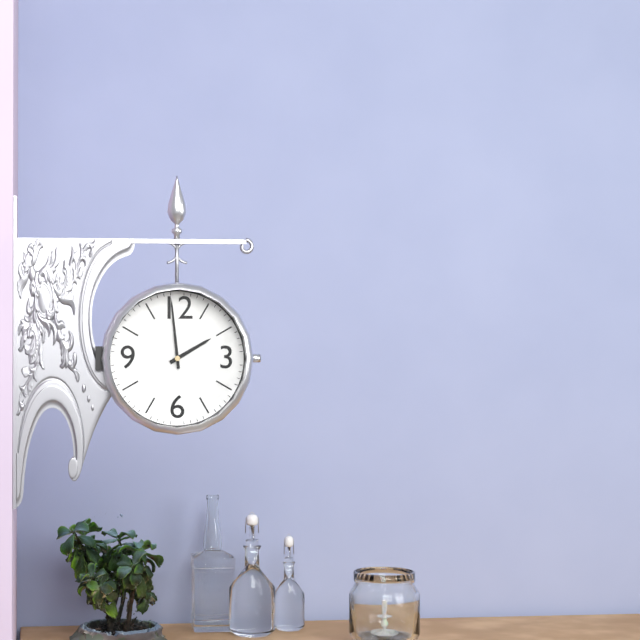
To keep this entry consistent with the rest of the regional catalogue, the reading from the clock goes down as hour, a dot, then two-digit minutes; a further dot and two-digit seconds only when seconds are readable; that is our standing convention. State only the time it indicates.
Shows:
1.59
